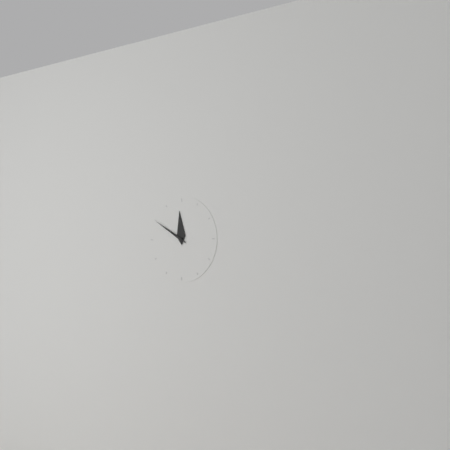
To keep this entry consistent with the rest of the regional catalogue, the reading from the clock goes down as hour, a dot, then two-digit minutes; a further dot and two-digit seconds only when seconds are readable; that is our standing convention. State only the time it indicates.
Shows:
11.50
